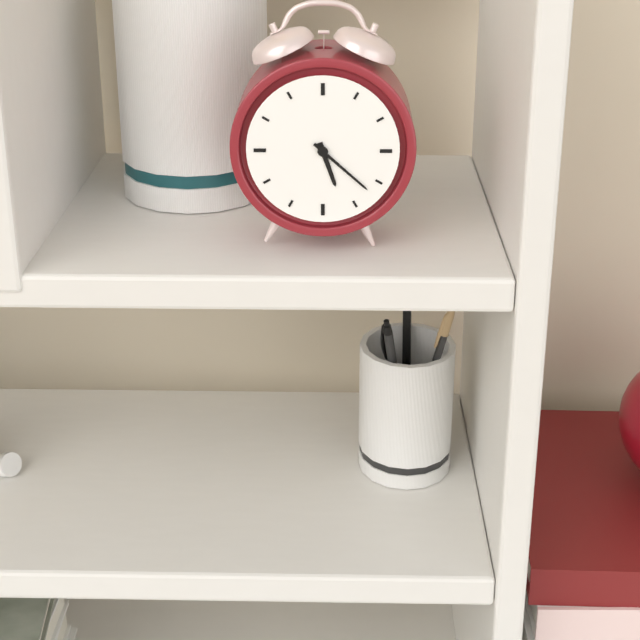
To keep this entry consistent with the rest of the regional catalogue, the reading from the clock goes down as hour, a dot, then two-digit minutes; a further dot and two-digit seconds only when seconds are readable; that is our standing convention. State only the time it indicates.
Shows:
5.22
